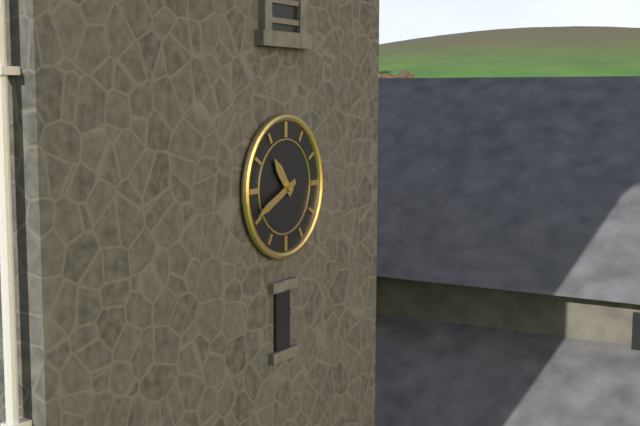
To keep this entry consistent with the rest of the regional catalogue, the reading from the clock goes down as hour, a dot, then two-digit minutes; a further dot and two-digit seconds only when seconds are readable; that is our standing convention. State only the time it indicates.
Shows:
10.41
